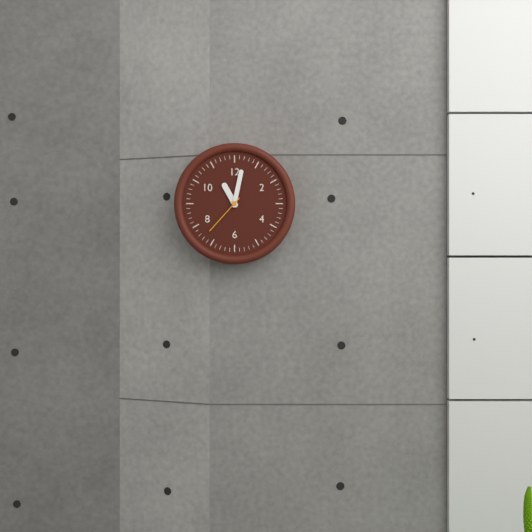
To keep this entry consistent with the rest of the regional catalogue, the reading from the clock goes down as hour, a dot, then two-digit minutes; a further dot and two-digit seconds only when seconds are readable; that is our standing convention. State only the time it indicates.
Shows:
11.02
